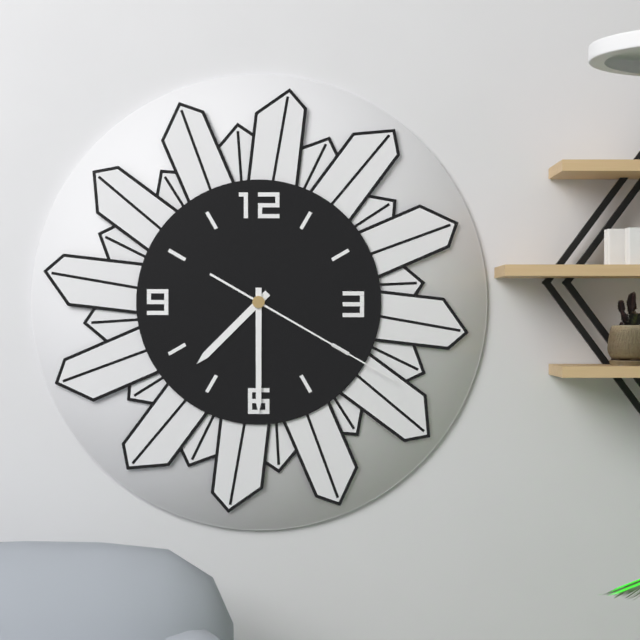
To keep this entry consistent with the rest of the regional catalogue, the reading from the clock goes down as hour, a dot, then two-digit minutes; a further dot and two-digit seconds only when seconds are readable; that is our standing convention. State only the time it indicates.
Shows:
7.30.20
